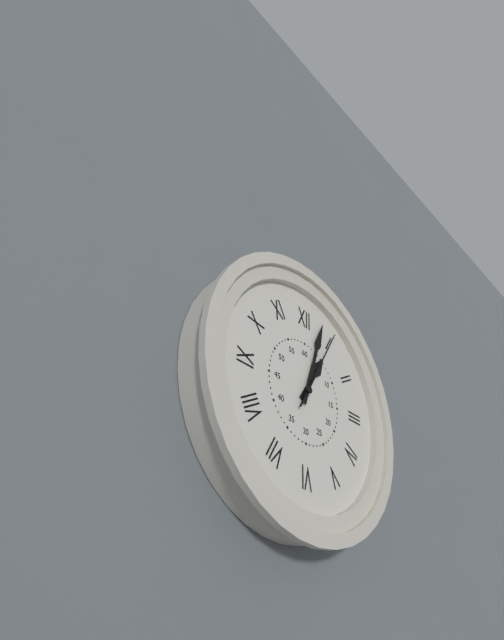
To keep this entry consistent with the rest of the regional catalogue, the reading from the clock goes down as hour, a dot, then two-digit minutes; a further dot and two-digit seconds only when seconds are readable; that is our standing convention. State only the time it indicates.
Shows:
1.03.05
